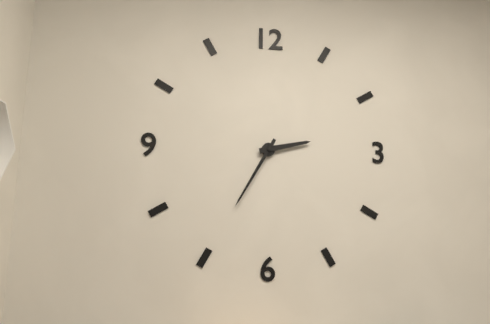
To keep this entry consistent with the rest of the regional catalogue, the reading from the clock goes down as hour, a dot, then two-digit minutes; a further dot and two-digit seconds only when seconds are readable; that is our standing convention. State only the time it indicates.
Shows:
2.35
